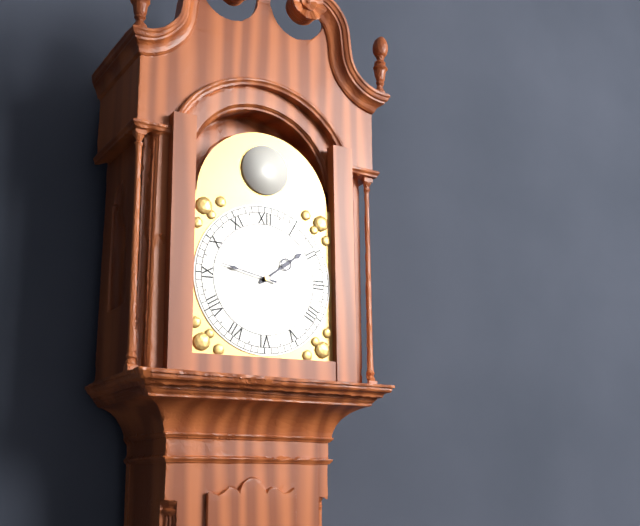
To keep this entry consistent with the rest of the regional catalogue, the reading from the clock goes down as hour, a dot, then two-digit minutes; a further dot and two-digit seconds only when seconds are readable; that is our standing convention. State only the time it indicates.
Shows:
1.47
